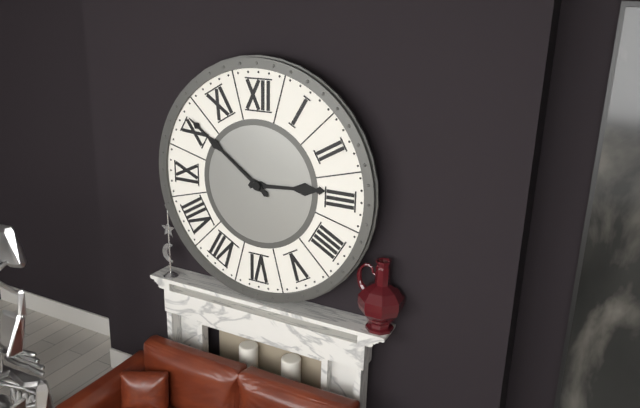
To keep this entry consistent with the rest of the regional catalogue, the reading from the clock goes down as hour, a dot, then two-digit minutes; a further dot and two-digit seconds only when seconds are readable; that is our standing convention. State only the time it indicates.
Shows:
2.51
